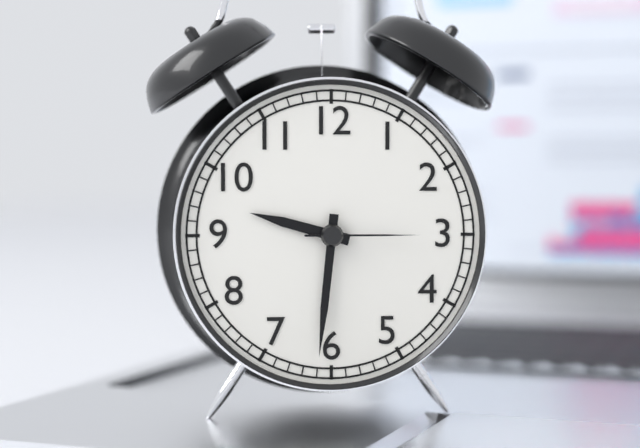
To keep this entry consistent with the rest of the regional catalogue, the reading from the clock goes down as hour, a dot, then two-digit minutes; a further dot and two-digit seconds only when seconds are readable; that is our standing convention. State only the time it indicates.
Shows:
9.31.15
